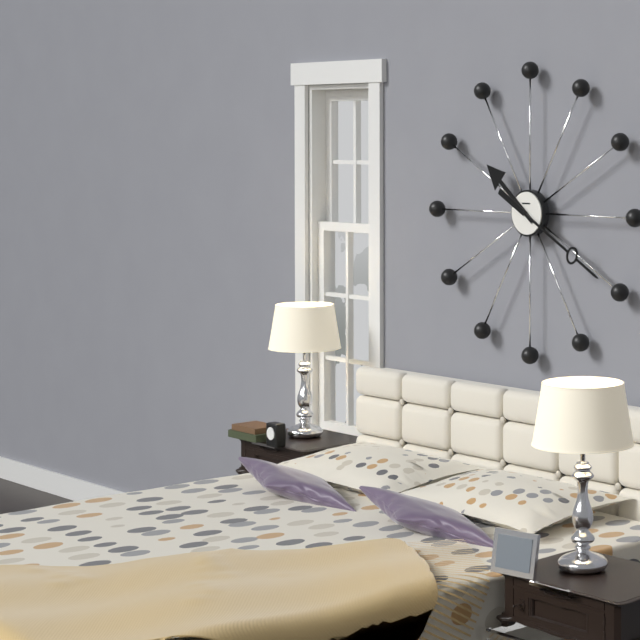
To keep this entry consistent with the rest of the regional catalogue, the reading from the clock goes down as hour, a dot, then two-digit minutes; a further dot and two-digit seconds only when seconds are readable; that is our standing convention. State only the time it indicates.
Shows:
10.20
